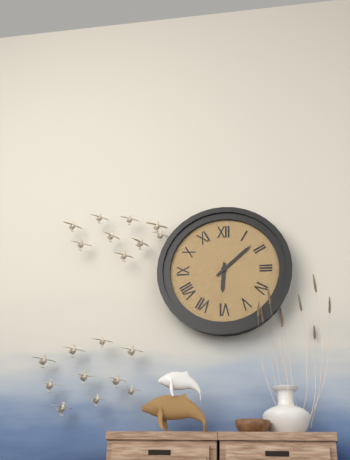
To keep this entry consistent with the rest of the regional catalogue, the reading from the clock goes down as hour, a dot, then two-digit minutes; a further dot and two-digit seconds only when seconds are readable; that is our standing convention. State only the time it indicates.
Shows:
6.08
